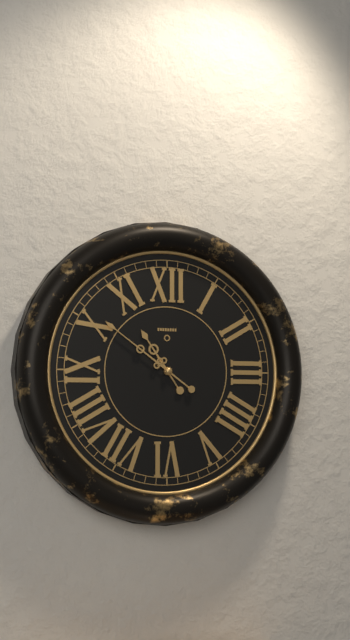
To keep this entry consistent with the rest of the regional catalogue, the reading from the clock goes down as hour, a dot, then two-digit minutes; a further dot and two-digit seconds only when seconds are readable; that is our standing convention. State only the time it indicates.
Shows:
10.51
